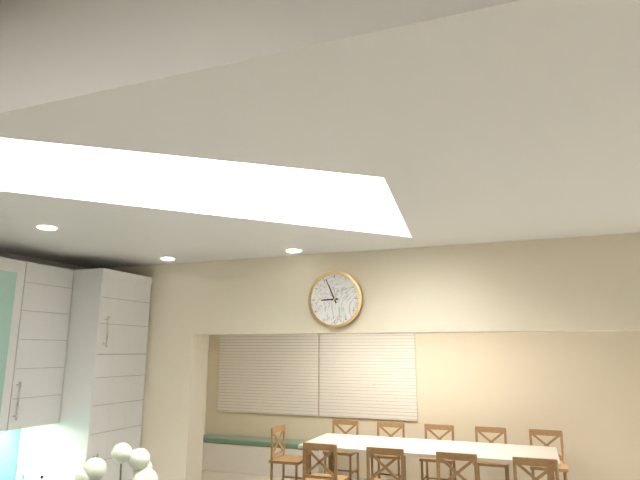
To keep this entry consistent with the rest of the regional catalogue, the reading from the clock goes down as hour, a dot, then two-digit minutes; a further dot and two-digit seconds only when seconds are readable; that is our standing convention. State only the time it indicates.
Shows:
8.56
